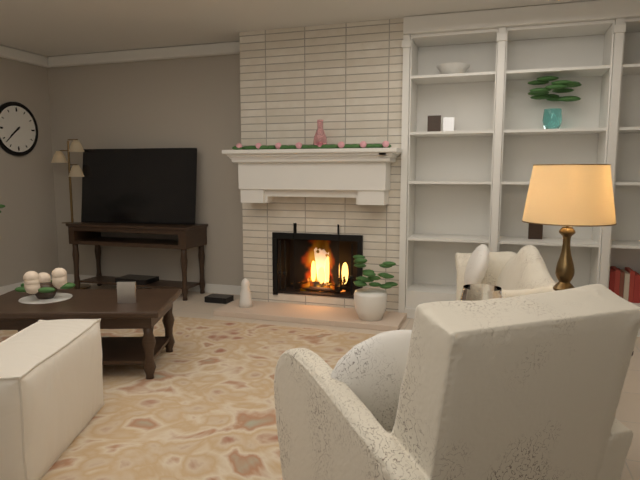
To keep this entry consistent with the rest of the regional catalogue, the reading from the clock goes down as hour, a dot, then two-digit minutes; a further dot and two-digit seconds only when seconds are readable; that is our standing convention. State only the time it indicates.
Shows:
7.38
